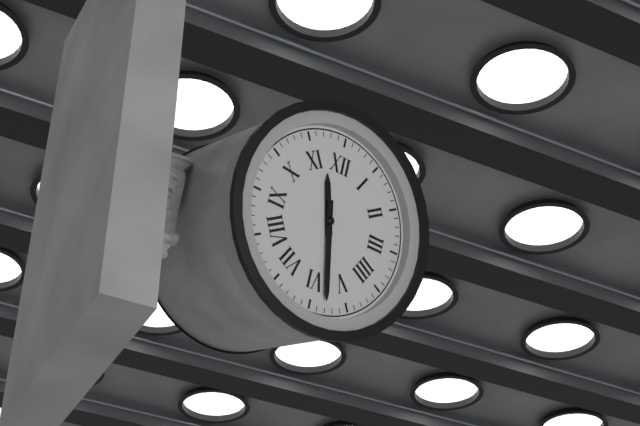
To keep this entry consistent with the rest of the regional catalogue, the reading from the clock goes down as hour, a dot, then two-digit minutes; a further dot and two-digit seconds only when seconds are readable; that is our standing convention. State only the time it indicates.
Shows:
11.28
